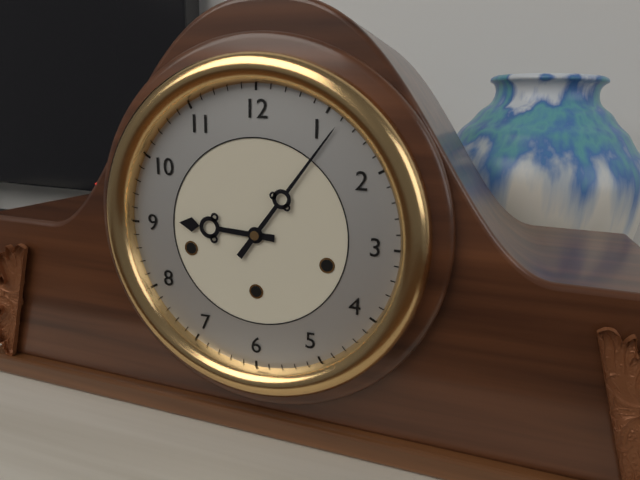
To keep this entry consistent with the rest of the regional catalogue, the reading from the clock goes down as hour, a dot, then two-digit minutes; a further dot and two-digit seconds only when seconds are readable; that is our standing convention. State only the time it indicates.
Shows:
9.06
